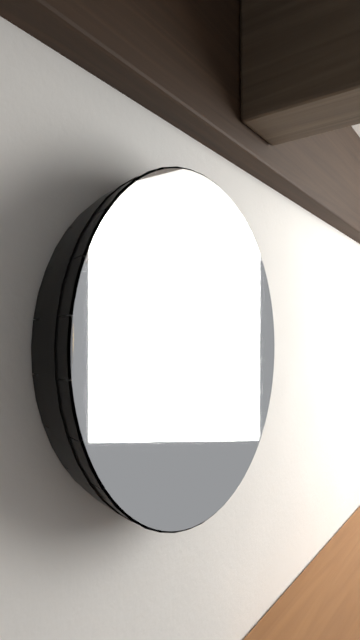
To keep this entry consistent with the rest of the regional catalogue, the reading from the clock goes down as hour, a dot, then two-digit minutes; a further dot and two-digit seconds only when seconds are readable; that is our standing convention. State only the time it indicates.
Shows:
6.17
